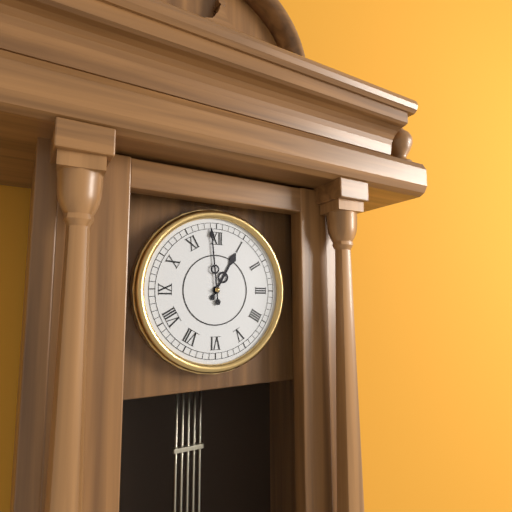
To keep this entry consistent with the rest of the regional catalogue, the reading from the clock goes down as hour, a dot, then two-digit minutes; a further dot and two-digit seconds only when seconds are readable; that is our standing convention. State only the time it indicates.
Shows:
12.59
